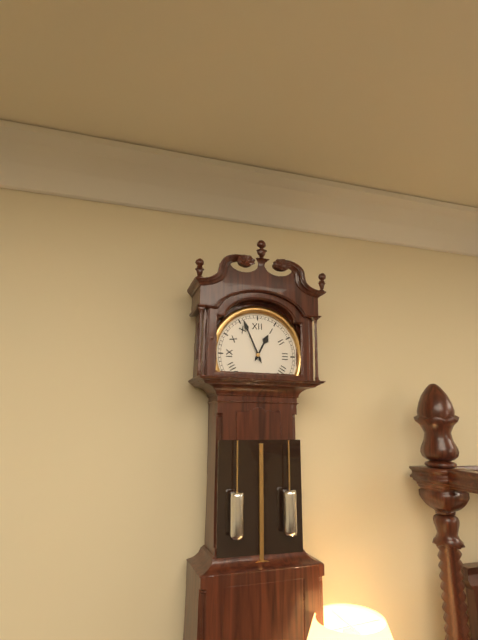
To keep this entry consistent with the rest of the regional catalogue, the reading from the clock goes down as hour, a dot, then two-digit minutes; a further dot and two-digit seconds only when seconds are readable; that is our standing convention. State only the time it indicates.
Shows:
12.56
